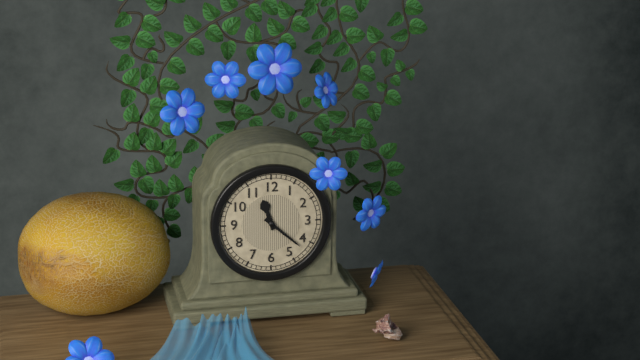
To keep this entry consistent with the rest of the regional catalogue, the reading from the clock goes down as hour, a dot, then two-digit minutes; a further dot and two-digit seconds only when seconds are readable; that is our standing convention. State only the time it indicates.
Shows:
11.22
